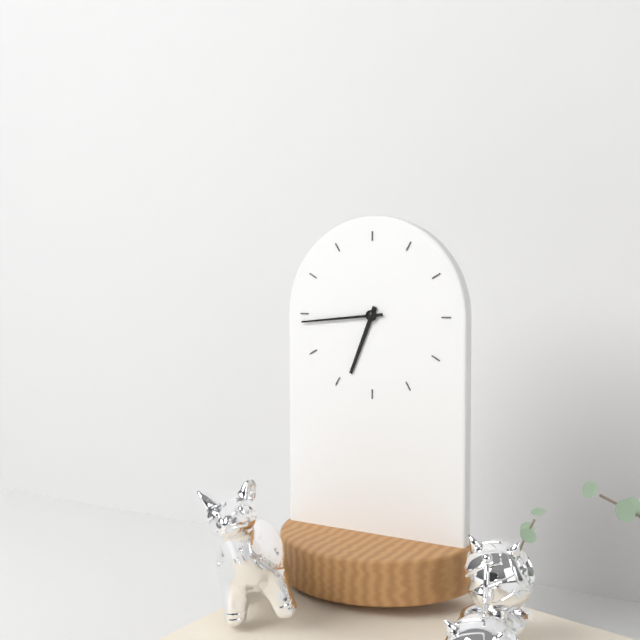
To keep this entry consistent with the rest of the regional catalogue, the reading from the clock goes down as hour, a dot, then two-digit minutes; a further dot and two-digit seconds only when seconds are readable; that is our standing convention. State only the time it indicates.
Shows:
6.44
